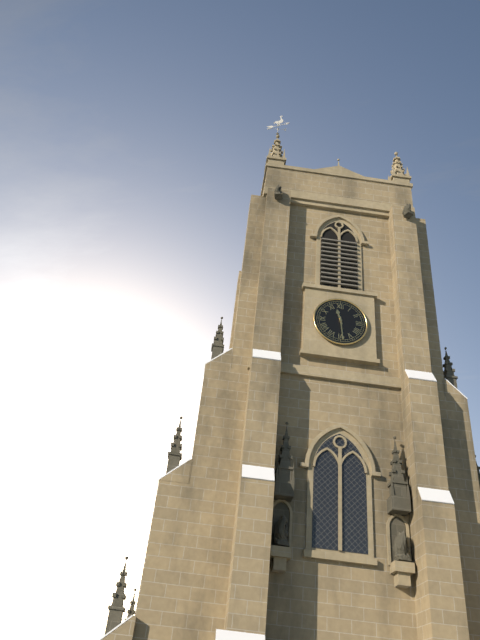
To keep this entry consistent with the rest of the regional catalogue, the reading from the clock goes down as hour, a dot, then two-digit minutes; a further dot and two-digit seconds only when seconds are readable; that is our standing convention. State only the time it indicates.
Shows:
11.29
